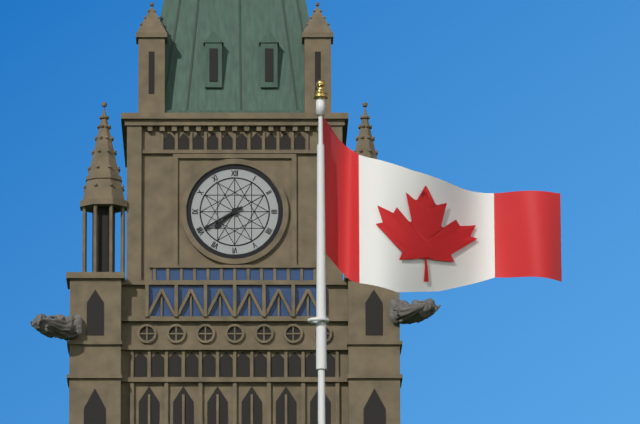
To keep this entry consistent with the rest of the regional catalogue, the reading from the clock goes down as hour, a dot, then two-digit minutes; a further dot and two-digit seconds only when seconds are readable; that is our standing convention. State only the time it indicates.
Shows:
7.40
